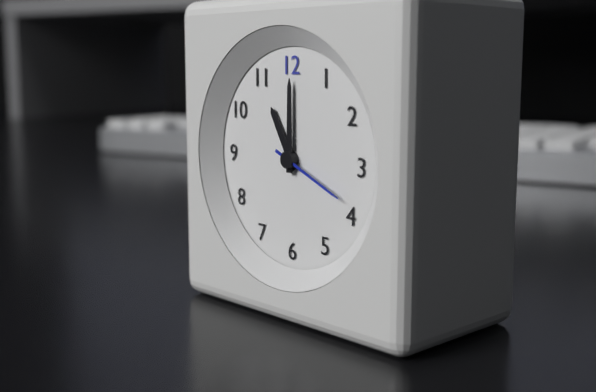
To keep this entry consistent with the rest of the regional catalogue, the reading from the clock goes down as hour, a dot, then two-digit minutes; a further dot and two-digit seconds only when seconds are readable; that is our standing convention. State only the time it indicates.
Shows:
11.00.19
